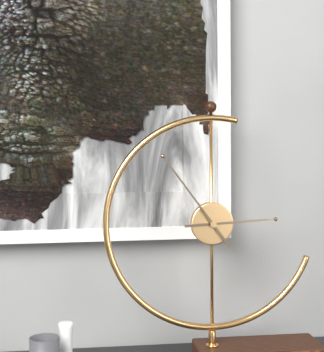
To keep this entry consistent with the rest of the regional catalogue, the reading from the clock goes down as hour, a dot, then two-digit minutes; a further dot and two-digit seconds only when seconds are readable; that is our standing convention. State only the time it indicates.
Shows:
2.54
